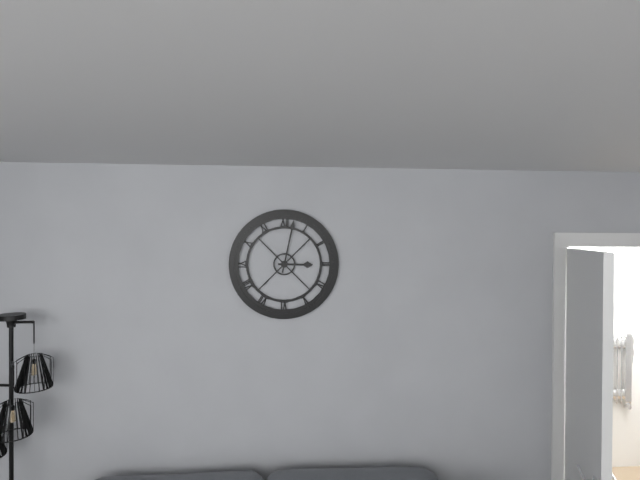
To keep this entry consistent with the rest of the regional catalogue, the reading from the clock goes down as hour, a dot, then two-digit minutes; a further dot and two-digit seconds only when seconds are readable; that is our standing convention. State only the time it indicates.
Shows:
3.02
